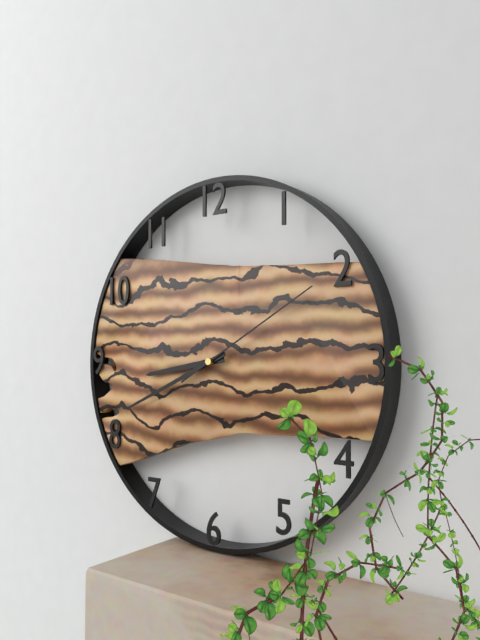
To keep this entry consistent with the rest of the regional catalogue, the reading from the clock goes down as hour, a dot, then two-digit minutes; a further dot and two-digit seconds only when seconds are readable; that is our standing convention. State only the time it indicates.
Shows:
8.41.10
